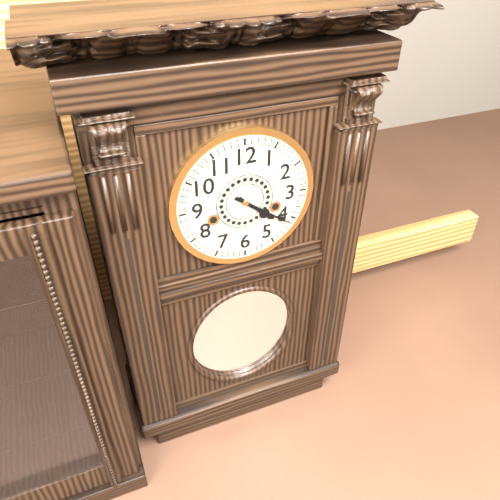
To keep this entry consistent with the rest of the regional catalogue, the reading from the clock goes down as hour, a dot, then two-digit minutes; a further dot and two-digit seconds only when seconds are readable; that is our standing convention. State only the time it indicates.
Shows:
4.21
